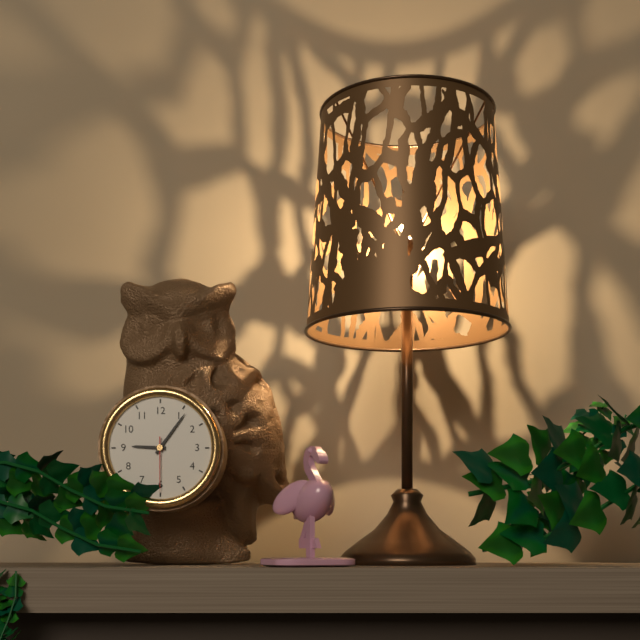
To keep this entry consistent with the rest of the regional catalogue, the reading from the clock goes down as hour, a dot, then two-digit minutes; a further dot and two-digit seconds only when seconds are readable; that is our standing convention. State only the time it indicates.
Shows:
9.06.30
